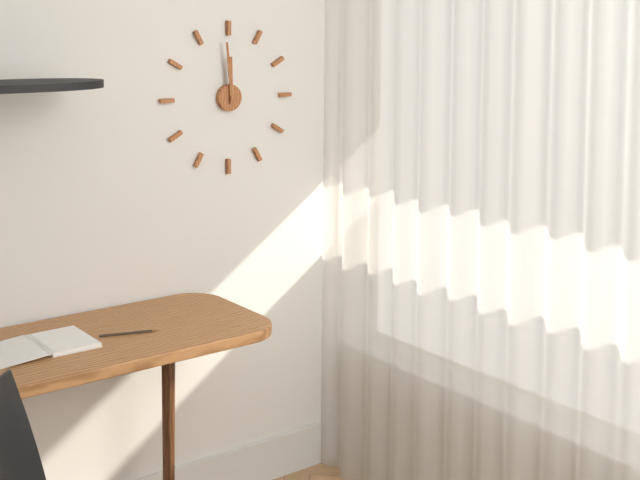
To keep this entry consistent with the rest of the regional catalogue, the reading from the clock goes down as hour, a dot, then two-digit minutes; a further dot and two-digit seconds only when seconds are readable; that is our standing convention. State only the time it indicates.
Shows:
11.59
